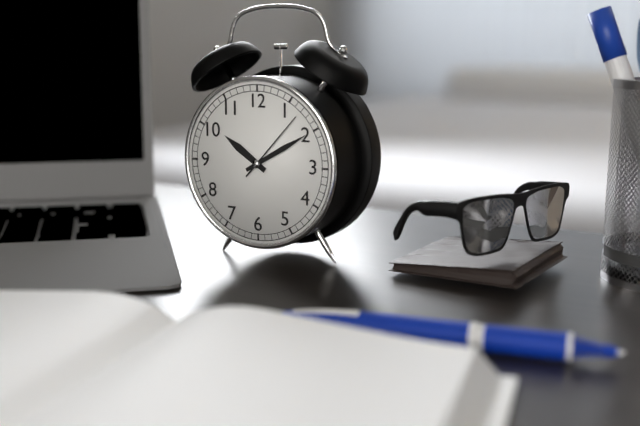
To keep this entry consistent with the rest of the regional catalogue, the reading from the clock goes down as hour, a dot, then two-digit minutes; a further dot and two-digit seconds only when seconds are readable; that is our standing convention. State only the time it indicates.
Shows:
10.10.07
